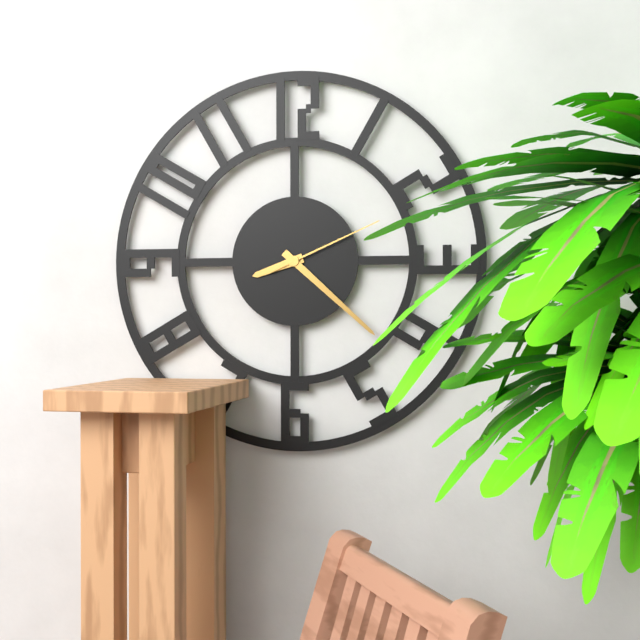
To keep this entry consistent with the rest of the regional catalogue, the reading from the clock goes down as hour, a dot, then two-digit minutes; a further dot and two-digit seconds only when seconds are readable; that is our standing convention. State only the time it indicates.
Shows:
8.22.11
